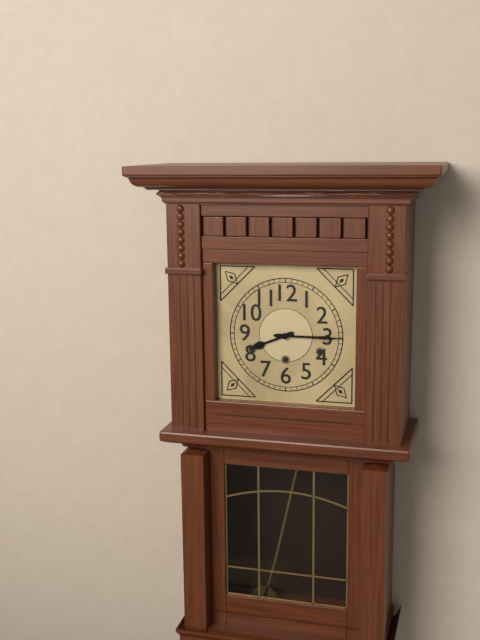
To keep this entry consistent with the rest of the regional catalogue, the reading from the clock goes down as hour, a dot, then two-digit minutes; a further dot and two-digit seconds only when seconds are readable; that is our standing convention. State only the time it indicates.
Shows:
8.15
